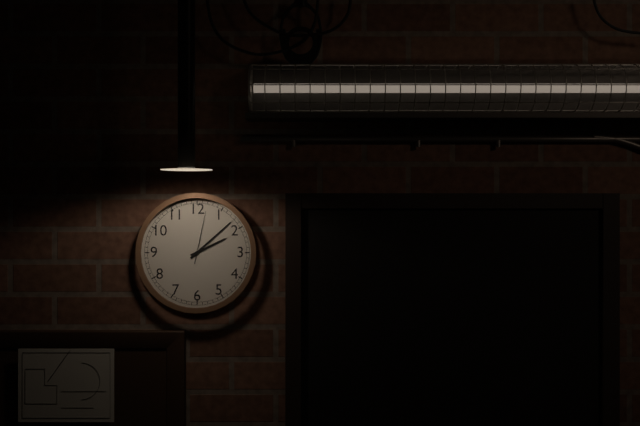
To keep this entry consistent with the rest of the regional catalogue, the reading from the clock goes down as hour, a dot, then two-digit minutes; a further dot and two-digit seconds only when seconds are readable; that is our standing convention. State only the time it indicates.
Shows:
2.08.02
